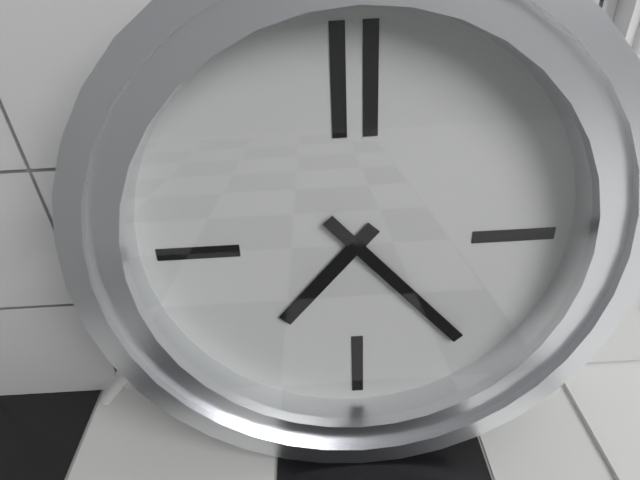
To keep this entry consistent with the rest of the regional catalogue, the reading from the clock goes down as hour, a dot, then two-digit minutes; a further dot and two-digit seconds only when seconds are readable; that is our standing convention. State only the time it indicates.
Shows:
7.23
